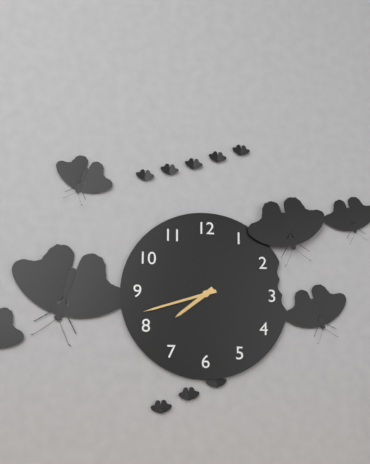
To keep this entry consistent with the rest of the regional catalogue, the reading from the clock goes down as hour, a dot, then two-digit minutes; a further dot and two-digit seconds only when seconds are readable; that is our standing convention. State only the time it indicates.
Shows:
7.42
